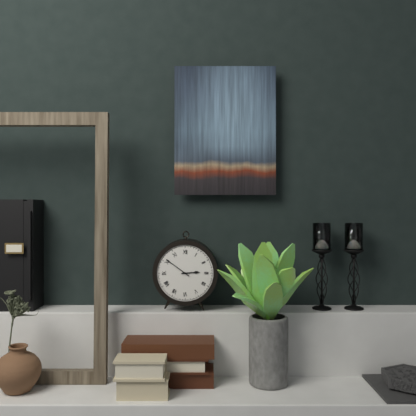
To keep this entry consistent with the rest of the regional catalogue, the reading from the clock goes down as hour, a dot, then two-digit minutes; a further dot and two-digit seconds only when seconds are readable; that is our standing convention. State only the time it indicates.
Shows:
2.51
